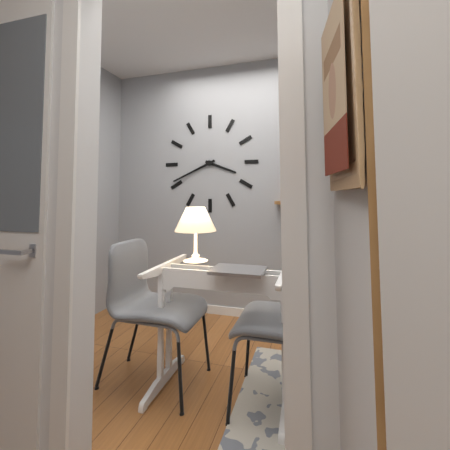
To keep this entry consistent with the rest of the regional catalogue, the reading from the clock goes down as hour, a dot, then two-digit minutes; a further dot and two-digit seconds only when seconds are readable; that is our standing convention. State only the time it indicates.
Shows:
3.41
